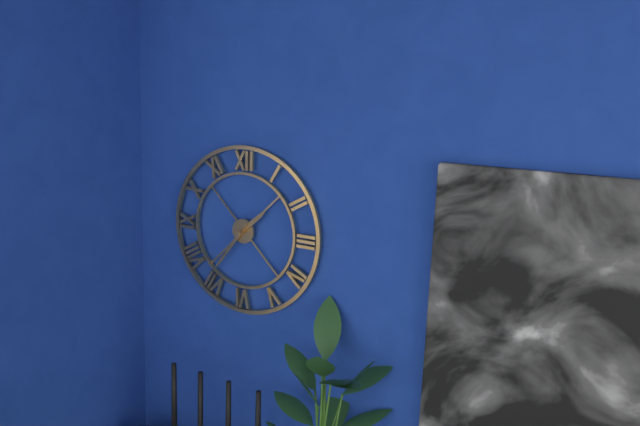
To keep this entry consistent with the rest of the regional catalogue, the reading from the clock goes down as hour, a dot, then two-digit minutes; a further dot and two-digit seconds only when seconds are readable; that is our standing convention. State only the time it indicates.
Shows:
1.36
